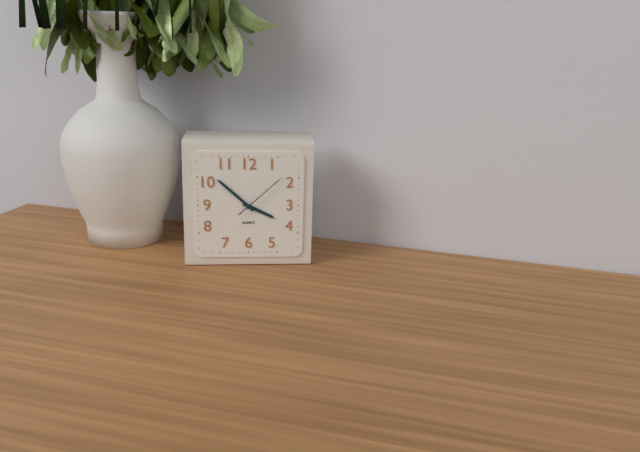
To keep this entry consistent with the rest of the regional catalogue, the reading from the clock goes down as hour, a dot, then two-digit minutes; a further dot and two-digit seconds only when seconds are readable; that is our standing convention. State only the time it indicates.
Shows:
3.52.08
